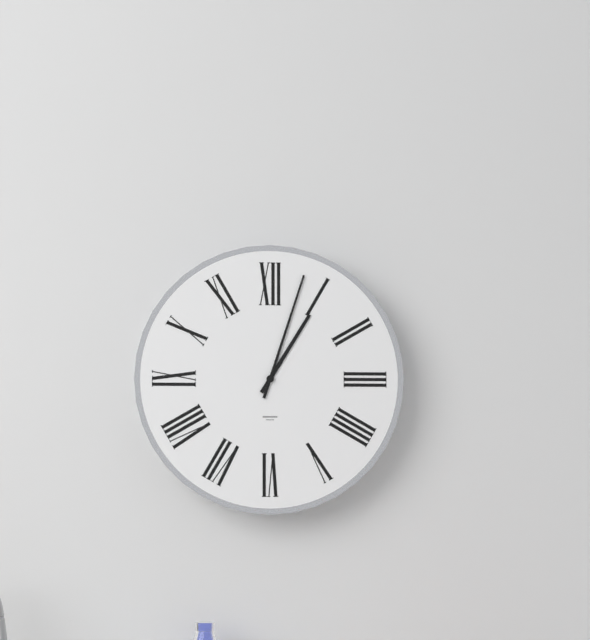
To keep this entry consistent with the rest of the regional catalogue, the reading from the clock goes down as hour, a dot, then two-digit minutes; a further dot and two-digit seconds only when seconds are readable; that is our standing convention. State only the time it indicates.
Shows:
1.03
